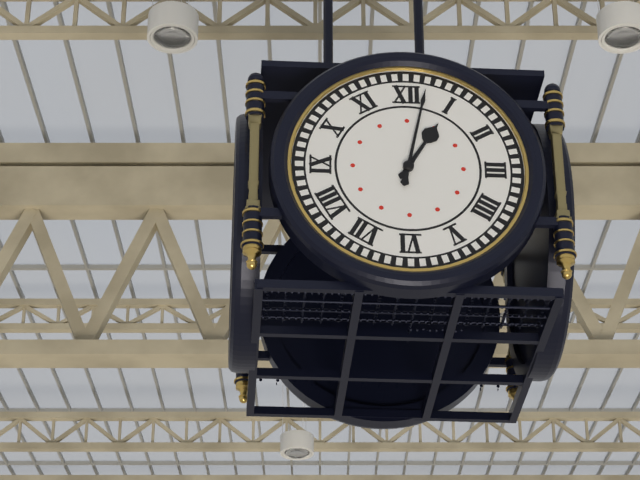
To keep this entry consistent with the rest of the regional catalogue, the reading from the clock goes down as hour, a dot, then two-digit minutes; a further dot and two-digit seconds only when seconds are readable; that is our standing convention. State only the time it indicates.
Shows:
1.02
